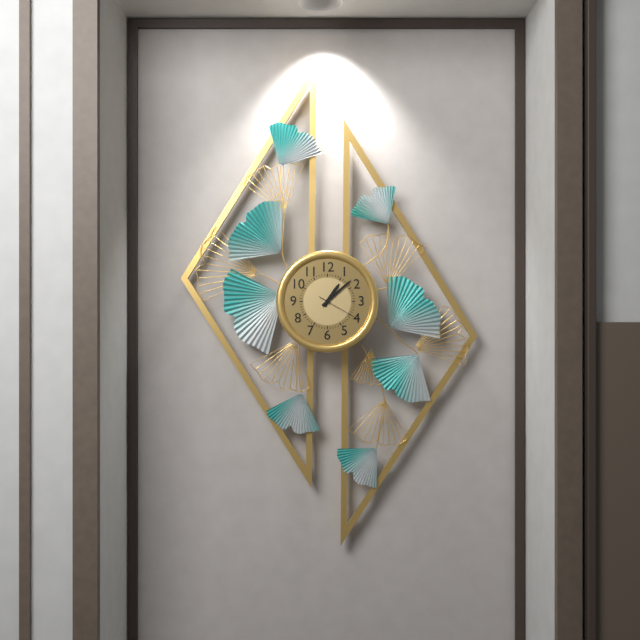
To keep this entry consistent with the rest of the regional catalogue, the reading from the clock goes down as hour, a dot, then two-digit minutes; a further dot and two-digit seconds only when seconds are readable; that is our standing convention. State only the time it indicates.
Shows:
1.08
